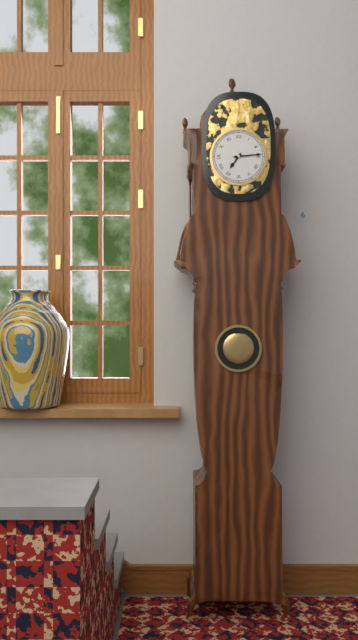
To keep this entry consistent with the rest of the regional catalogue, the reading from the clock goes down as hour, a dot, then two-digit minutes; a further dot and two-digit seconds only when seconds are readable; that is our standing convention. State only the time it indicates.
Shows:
7.14
